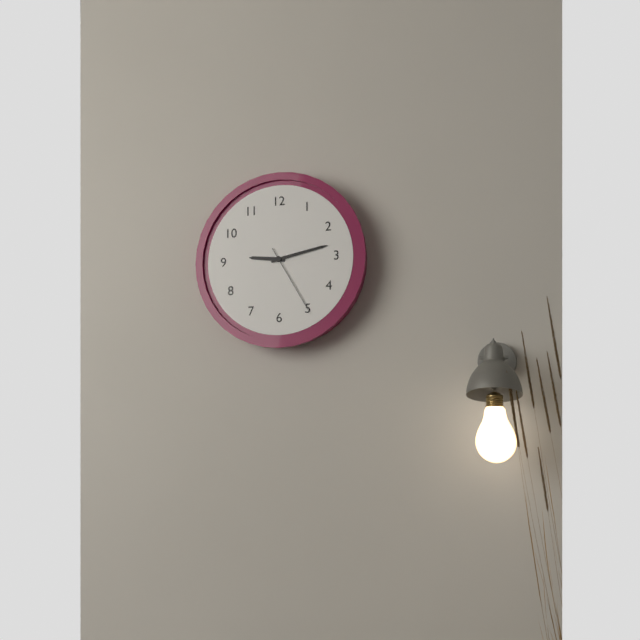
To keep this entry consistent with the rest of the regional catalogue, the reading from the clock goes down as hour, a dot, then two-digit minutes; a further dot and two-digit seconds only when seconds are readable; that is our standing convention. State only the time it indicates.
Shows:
9.13.25
